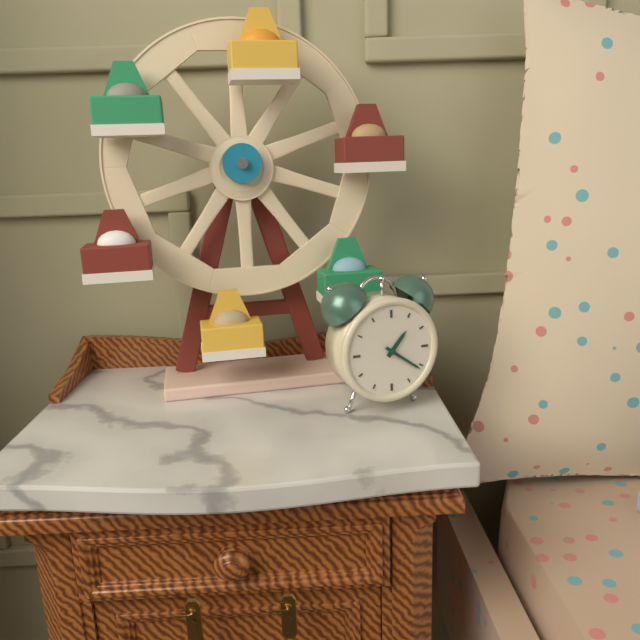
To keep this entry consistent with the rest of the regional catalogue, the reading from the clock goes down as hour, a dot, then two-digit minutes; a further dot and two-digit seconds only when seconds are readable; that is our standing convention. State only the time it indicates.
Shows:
1.21
